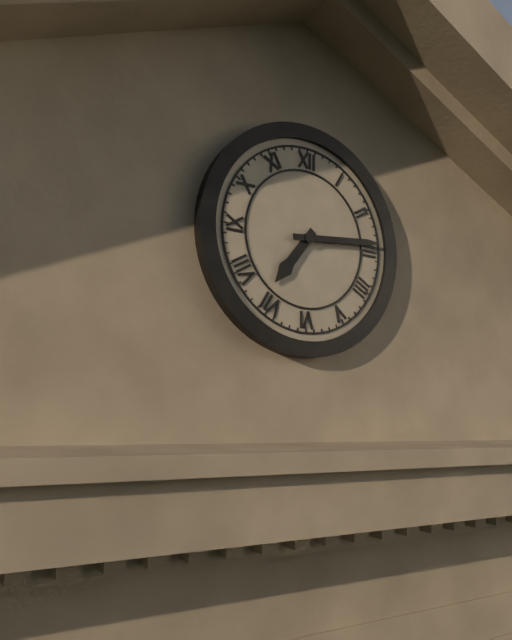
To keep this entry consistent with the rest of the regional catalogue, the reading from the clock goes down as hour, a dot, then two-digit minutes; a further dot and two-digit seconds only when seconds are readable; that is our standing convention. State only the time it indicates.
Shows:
7.14
